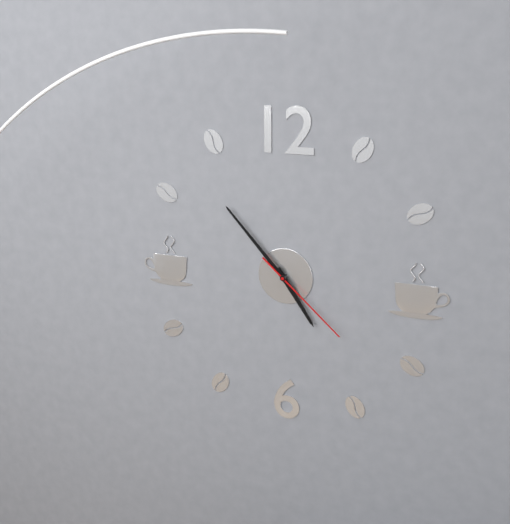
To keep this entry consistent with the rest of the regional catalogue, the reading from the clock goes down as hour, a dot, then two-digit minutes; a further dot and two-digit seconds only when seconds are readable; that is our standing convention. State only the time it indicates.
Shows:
4.53.22
